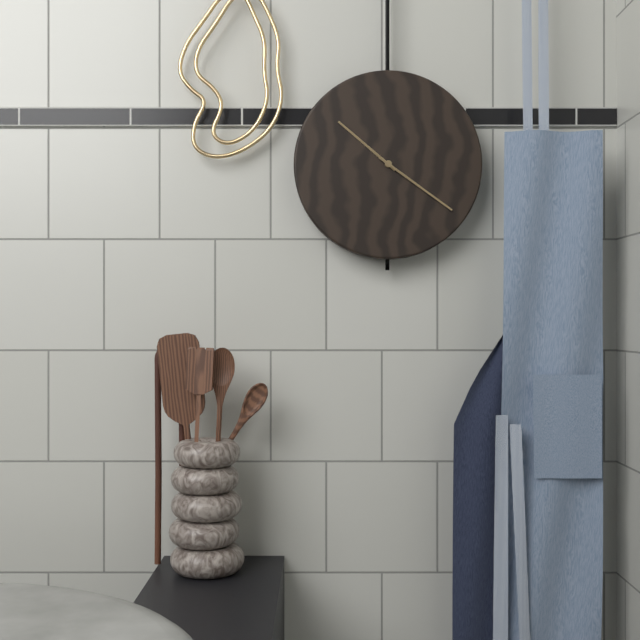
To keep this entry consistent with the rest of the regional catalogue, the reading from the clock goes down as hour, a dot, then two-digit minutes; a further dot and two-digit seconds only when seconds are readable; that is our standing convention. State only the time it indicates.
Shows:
10.21
